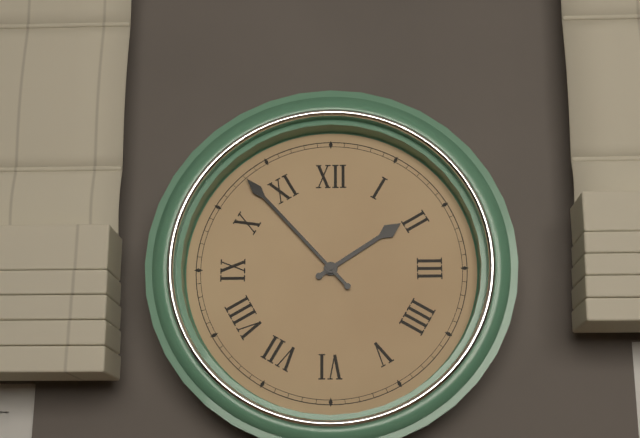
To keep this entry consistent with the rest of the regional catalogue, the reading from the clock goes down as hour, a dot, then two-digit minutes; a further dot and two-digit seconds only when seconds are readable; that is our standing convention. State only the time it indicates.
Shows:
1.53
